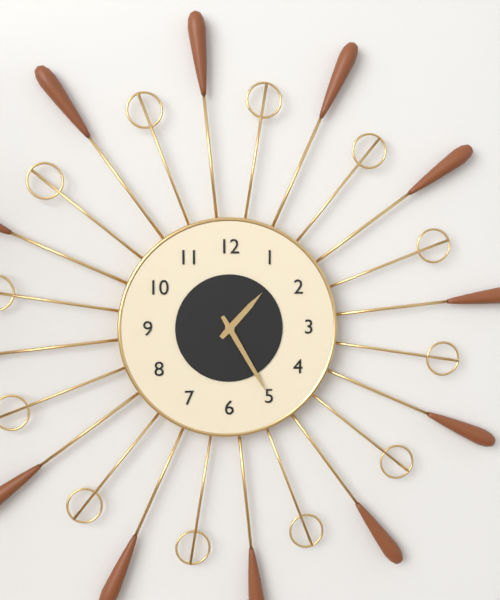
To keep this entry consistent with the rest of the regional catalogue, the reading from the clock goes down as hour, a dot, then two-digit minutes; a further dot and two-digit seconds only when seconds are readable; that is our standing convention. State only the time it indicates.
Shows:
1.25
